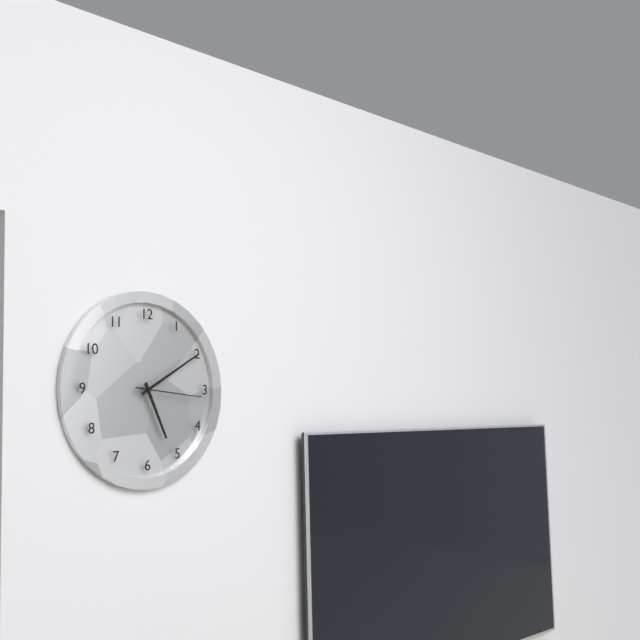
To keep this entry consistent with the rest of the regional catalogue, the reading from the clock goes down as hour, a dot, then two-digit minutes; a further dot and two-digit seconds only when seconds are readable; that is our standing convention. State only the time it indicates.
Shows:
5.10.16
